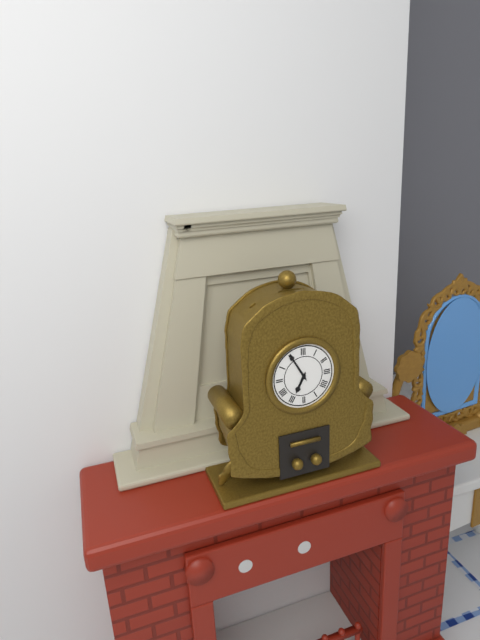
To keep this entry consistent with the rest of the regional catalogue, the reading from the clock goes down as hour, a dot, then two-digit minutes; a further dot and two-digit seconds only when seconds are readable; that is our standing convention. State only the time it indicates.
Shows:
6.55
